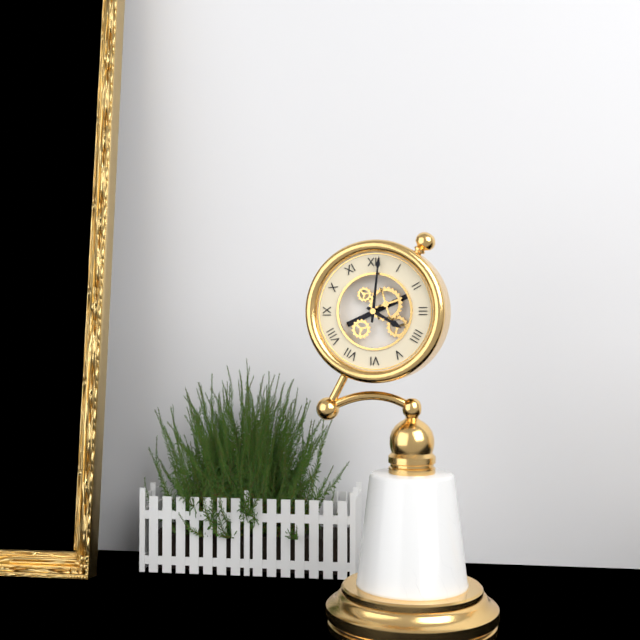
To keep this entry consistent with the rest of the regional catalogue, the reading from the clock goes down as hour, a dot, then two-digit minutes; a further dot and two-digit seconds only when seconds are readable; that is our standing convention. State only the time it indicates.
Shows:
4.01
